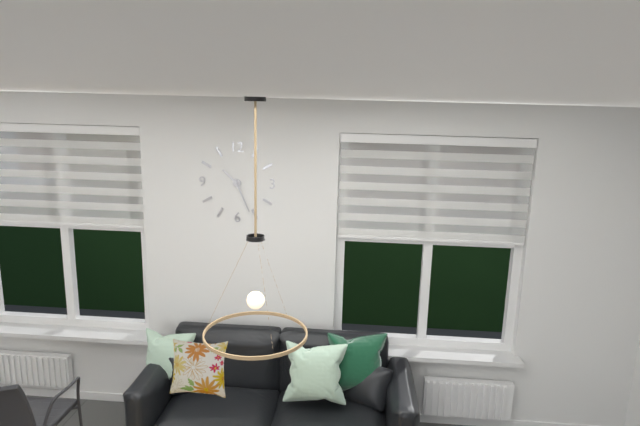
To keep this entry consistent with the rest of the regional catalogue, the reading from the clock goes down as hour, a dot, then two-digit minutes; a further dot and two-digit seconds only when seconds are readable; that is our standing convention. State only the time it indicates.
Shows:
10.26
